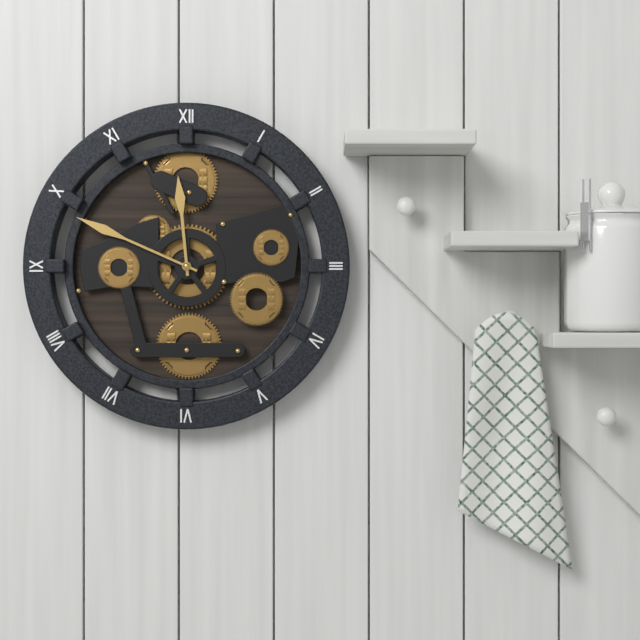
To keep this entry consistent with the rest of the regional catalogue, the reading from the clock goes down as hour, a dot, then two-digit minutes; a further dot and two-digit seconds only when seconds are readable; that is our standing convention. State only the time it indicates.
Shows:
11.49
